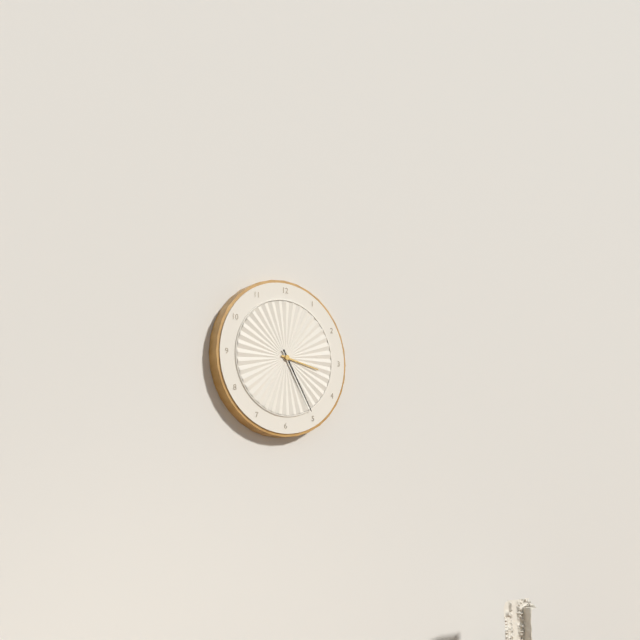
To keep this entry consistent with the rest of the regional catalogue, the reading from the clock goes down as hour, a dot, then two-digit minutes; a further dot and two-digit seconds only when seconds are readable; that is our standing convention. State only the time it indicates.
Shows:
3.25
